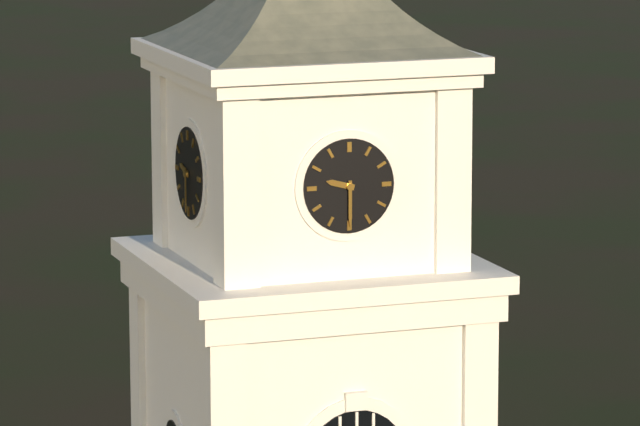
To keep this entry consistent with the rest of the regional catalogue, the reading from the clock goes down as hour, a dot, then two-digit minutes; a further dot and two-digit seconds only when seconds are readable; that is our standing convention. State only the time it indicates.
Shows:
9.30
